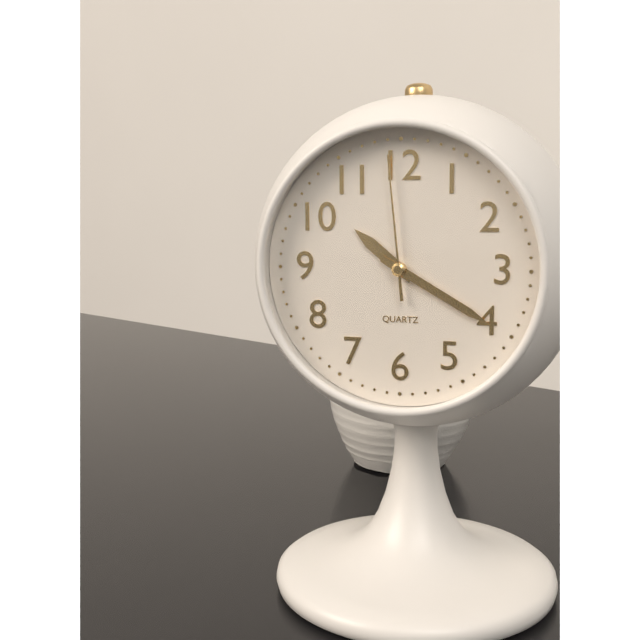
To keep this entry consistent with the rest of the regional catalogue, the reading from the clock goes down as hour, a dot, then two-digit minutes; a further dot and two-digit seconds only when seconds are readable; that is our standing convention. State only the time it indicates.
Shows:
10.20.59
